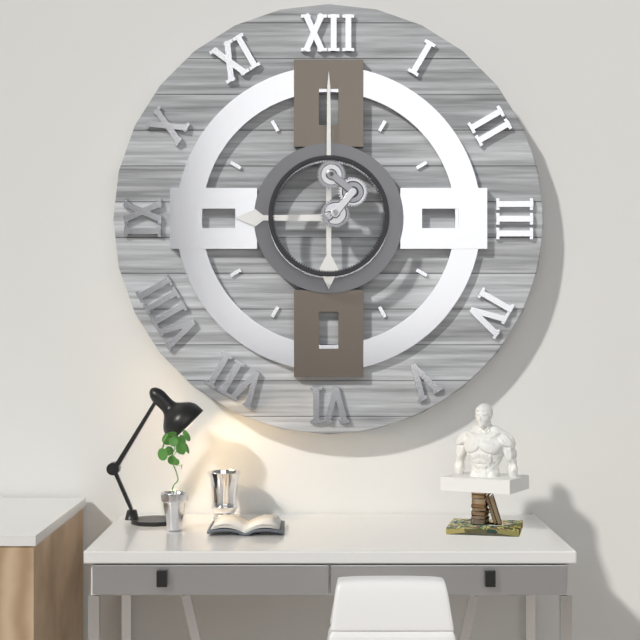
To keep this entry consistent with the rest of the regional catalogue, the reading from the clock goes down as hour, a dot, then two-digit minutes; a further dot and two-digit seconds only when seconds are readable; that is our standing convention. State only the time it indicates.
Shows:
9.00
